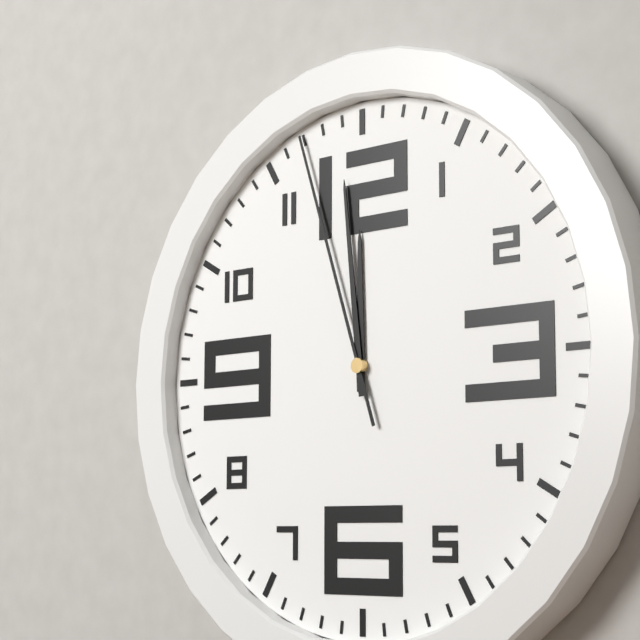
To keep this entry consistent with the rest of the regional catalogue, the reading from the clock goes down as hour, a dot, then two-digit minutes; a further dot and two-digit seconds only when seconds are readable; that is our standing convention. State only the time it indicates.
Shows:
11.59.57
